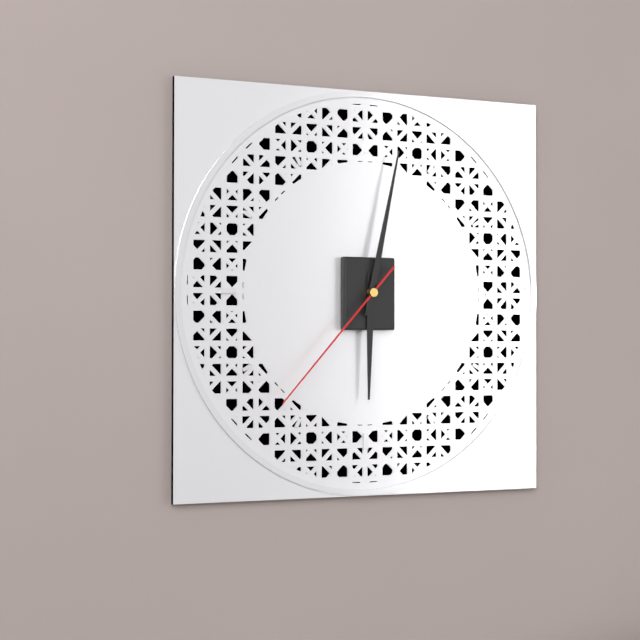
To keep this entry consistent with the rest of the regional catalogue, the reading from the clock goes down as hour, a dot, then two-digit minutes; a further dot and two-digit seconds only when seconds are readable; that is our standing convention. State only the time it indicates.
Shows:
6.02.37
